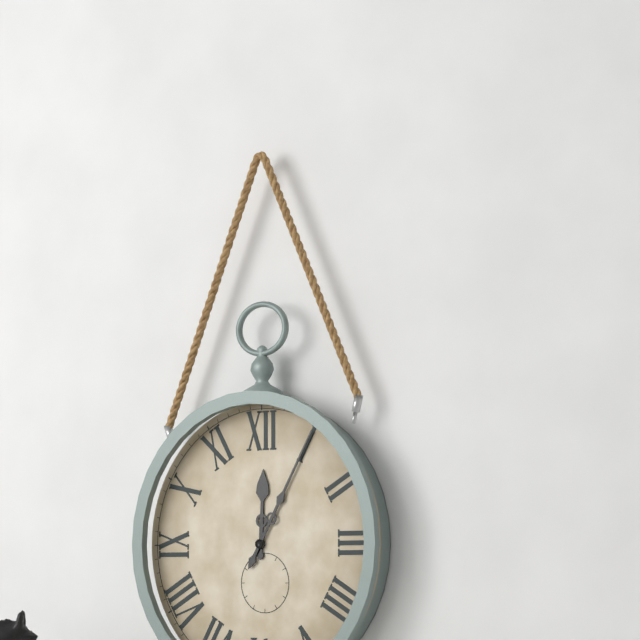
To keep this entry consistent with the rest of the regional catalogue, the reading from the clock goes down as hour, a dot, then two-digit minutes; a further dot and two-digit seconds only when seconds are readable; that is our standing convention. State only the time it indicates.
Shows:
12.05
